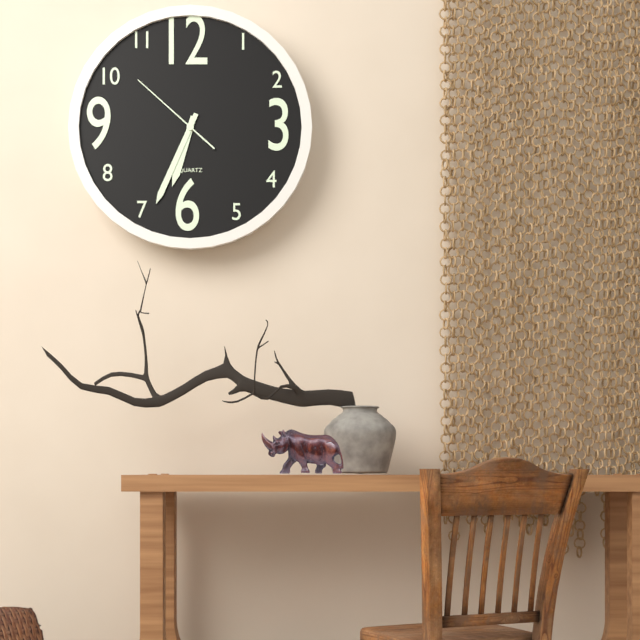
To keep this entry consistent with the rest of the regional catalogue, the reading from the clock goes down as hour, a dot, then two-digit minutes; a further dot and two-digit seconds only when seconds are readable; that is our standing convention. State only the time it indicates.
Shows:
6.34.52
